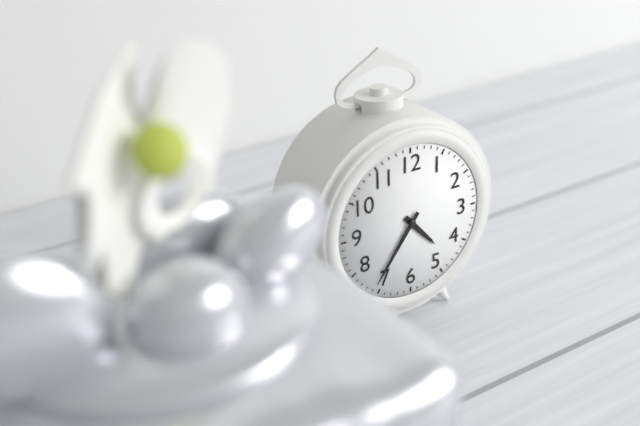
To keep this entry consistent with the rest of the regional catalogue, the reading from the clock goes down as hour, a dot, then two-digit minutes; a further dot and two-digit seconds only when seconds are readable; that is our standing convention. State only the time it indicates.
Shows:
4.36
